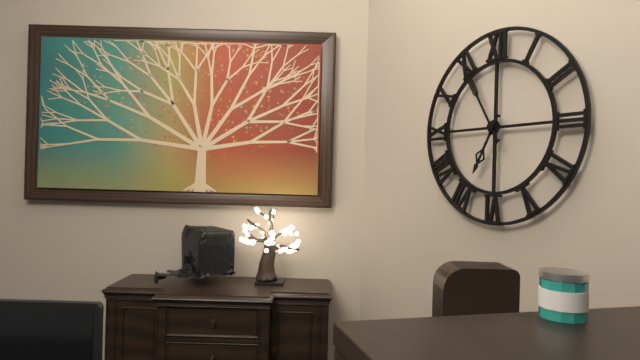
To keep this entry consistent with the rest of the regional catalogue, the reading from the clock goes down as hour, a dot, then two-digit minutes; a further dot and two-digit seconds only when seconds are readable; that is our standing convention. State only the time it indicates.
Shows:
6.55
